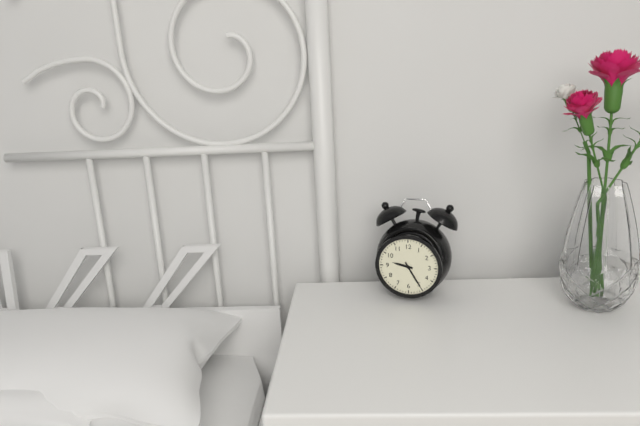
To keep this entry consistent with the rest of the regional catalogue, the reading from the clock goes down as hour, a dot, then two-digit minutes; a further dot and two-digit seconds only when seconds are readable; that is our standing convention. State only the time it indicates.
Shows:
9.25
